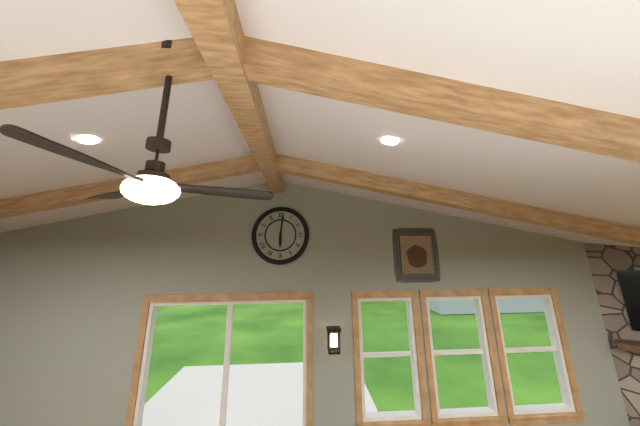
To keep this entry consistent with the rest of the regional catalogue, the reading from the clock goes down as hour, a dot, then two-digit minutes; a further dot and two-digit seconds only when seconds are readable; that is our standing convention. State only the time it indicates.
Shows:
6.01
